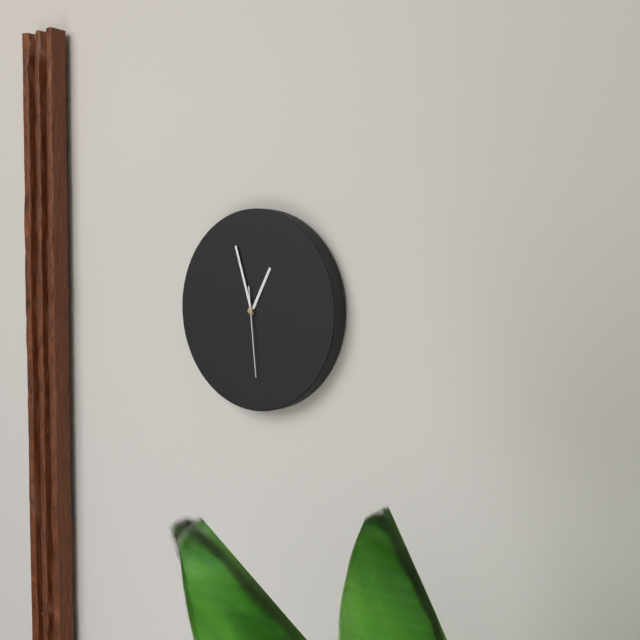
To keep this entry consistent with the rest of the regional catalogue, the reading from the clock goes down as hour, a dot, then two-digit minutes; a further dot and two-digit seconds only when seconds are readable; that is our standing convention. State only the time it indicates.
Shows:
12.57.29
